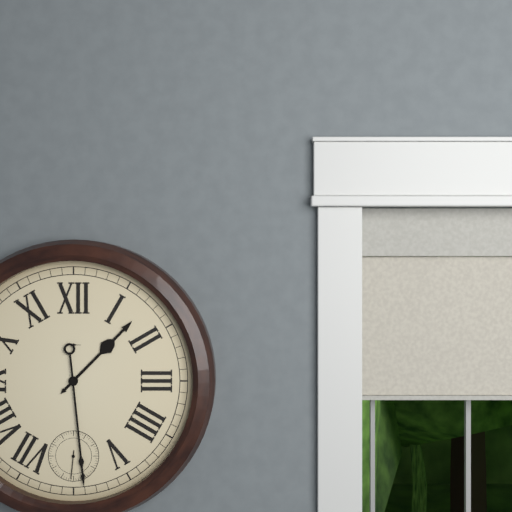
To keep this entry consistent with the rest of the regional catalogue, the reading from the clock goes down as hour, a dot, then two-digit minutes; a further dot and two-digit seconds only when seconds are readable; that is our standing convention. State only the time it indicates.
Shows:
1.29
